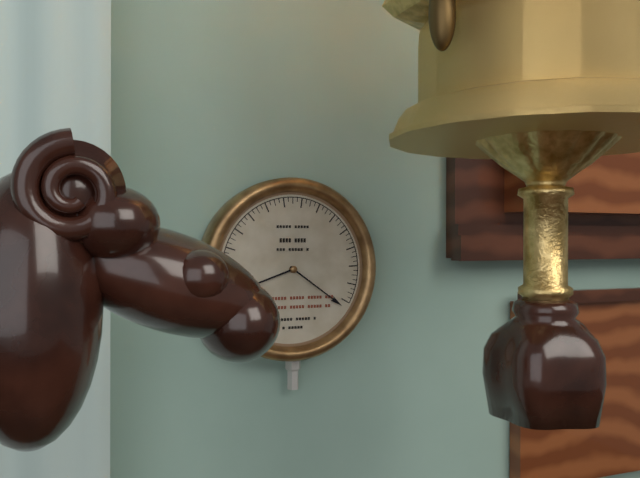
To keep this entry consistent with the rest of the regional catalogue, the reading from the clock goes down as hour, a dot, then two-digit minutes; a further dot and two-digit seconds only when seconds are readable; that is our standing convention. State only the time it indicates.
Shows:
8.21
